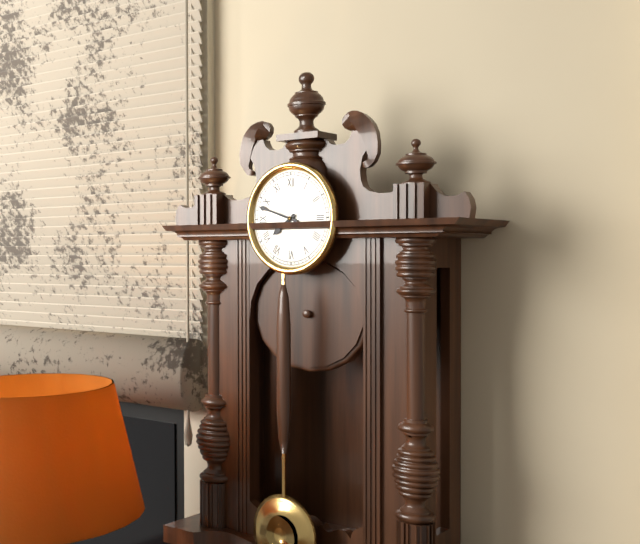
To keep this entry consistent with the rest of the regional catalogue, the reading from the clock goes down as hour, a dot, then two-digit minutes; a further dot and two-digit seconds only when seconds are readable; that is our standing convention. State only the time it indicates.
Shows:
7.48
